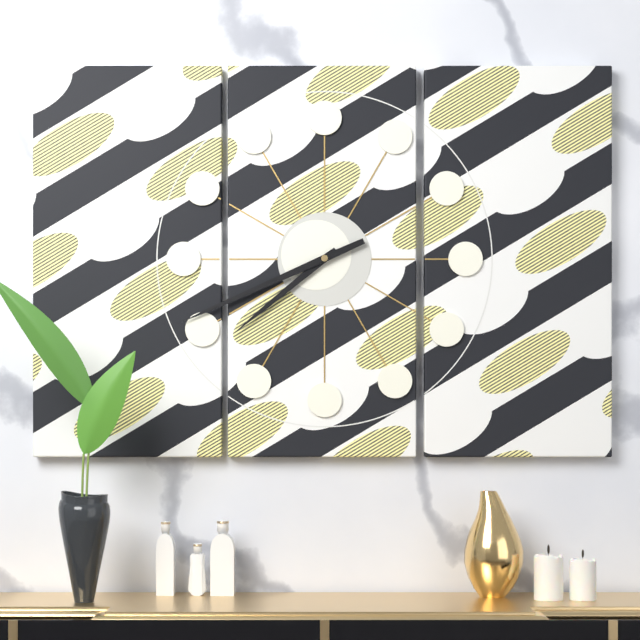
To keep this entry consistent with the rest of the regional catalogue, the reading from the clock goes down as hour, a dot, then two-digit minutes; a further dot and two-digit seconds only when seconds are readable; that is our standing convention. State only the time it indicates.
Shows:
7.41
